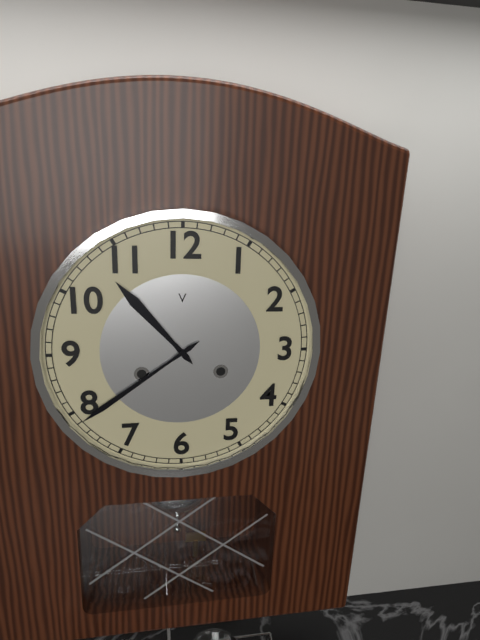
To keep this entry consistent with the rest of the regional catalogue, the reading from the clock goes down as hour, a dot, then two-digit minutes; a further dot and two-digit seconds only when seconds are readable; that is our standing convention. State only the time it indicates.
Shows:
10.39
